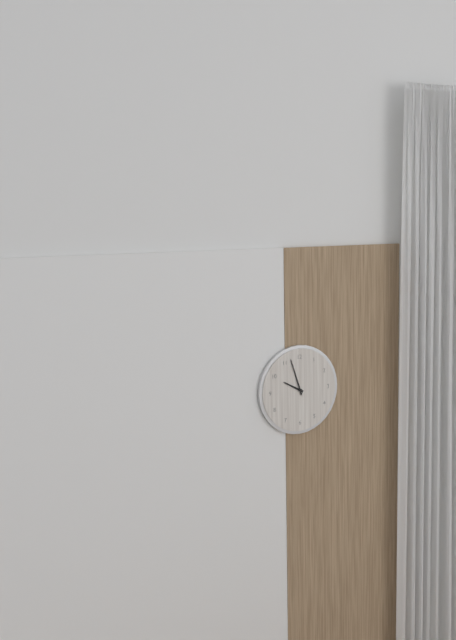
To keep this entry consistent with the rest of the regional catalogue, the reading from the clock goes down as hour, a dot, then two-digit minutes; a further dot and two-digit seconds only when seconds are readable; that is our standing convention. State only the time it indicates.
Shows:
9.57
